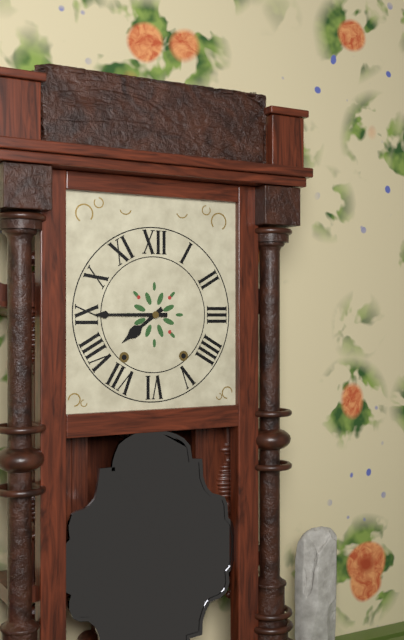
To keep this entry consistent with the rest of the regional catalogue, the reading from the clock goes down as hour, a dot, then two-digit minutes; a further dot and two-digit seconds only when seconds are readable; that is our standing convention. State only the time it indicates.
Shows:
7.45
